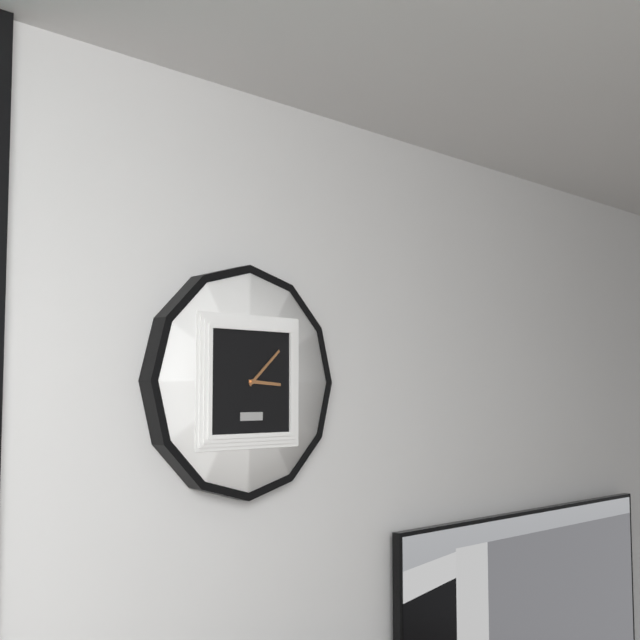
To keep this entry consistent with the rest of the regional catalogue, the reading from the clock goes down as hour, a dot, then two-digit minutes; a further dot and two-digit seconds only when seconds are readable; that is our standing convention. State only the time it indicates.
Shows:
3.08
